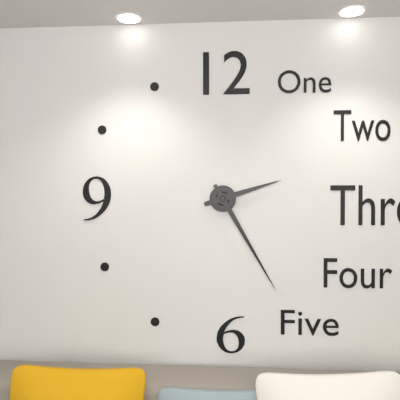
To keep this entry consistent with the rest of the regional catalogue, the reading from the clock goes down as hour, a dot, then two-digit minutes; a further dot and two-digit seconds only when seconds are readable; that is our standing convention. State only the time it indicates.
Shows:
2.25
